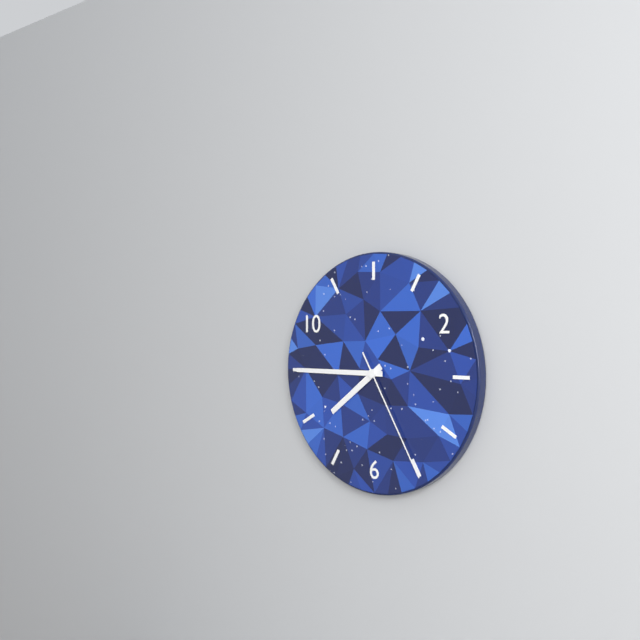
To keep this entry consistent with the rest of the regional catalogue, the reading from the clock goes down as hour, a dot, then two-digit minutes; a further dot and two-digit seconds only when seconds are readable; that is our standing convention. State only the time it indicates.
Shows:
7.45.25
